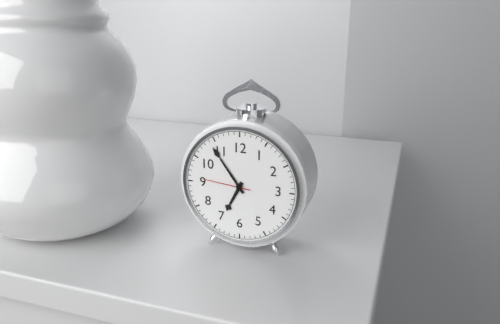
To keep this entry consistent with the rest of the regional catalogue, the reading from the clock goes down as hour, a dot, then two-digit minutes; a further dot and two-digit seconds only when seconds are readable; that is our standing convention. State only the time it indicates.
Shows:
6.54
